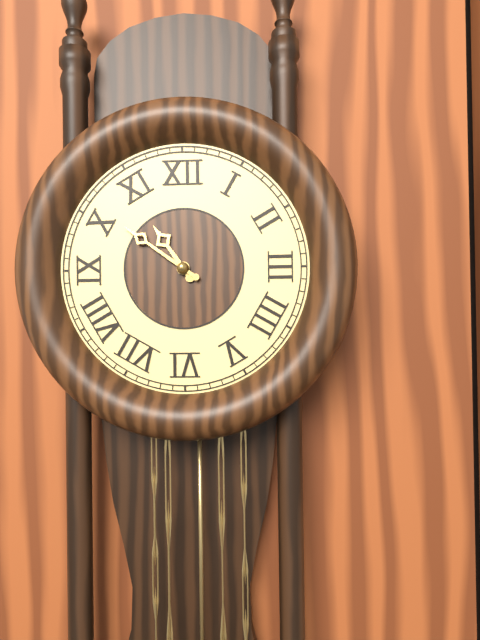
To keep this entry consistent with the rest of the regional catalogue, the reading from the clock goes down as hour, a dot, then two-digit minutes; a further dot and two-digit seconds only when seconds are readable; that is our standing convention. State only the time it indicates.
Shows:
10.51
